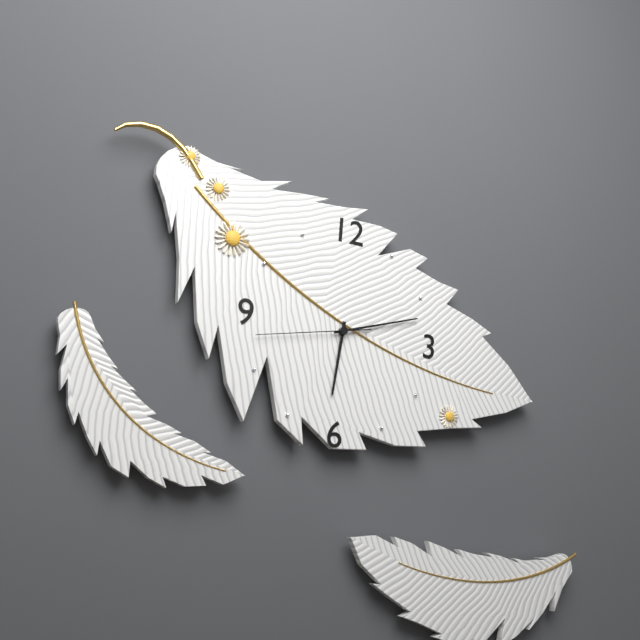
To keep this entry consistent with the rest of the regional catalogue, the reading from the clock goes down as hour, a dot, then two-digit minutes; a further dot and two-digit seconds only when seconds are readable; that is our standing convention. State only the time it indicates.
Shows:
6.12.43
